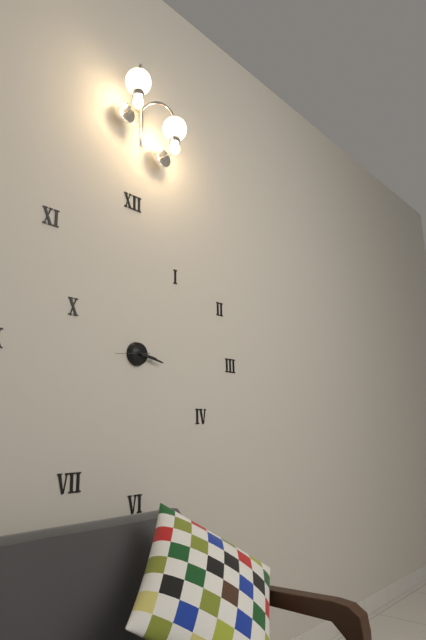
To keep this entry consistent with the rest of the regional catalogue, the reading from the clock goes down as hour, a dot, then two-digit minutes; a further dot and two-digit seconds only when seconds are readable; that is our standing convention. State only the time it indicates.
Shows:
3.17
